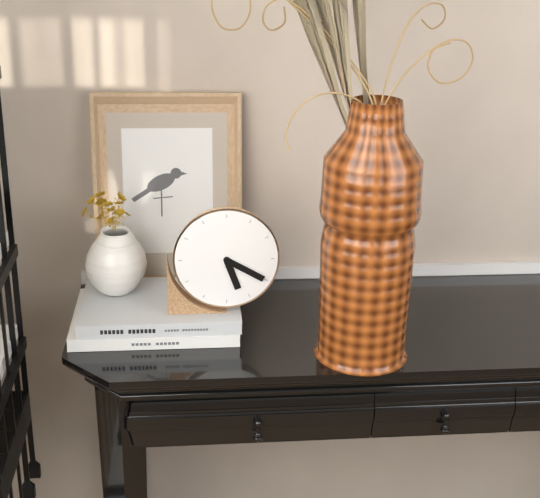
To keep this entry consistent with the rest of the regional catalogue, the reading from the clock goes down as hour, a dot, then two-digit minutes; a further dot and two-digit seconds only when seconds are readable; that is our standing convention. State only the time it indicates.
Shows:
5.20
